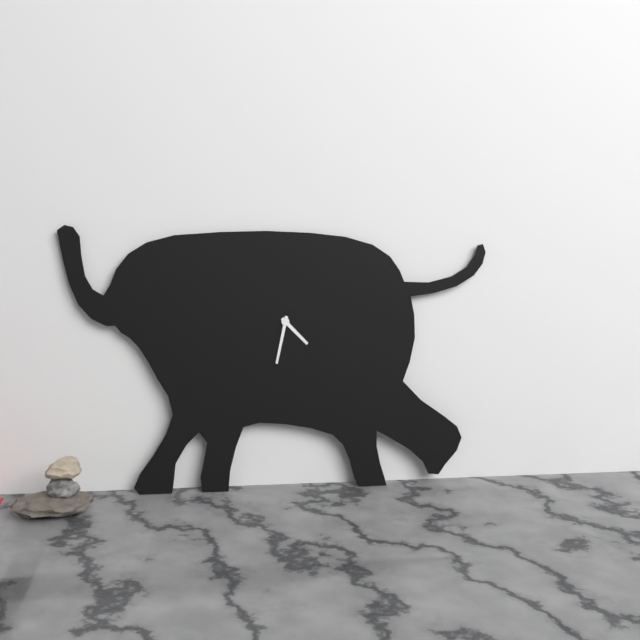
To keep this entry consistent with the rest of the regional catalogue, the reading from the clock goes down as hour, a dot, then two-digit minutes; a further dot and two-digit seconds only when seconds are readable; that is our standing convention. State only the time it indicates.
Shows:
4.32
